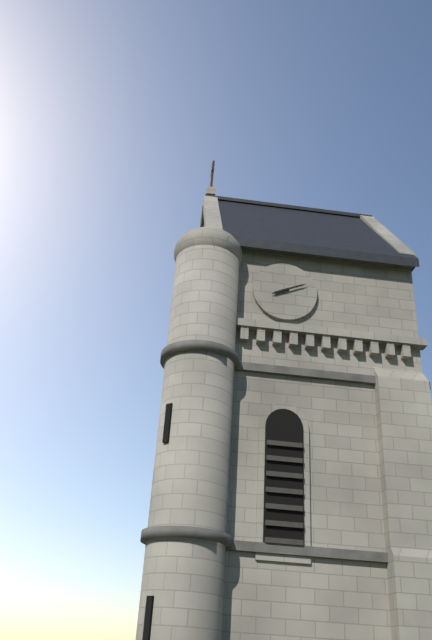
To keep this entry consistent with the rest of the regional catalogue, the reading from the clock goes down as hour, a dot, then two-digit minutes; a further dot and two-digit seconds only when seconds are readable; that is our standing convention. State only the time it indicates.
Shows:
8.11
